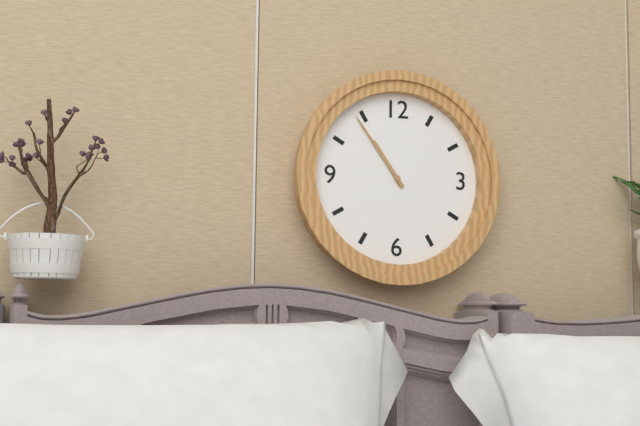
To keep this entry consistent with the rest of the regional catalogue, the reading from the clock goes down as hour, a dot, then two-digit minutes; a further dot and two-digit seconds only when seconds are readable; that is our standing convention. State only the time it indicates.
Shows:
10.54
